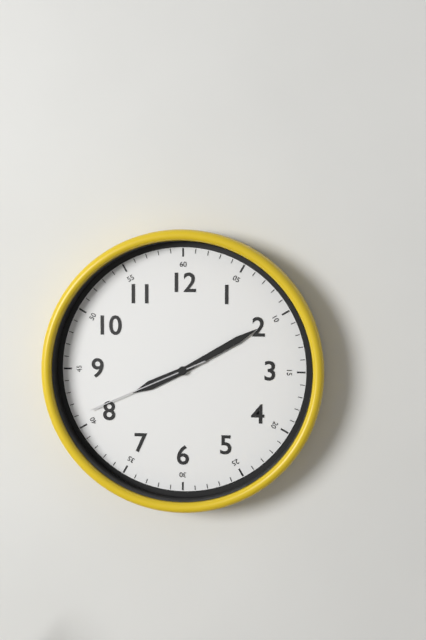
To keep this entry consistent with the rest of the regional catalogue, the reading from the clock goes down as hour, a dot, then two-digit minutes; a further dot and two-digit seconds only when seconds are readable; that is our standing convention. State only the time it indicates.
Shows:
8.10.41
